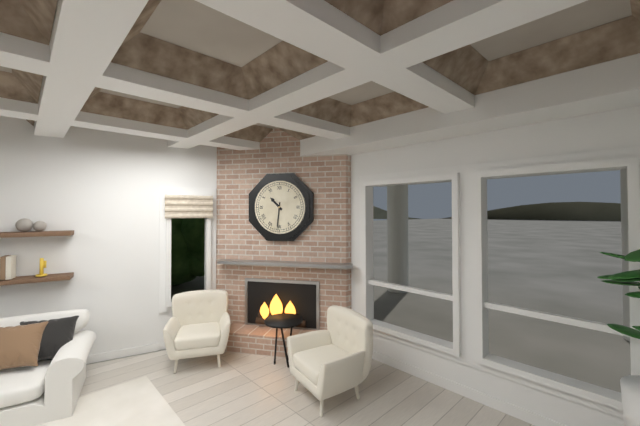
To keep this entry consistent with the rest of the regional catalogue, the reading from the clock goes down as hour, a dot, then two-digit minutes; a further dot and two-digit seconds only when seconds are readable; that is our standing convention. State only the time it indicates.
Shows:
10.31
